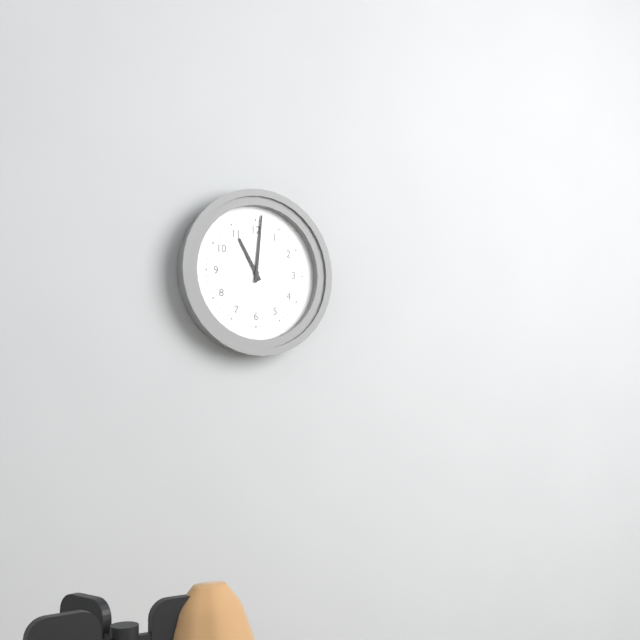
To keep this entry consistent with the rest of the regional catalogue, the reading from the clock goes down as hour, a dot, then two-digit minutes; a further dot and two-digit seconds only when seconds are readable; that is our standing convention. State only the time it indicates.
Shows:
11.01
